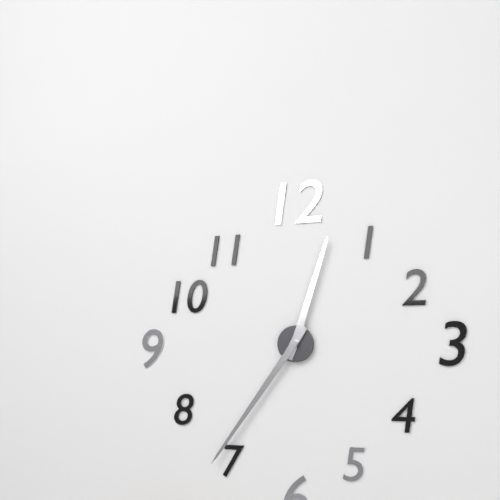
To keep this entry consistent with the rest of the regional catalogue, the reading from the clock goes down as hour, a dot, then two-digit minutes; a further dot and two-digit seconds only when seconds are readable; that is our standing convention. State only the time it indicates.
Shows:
12.36
